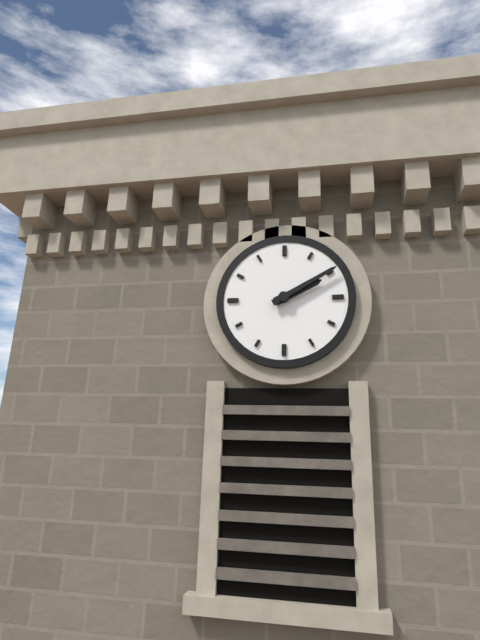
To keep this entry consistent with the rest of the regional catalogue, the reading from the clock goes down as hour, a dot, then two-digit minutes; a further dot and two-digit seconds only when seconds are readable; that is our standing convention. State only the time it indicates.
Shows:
2.10
